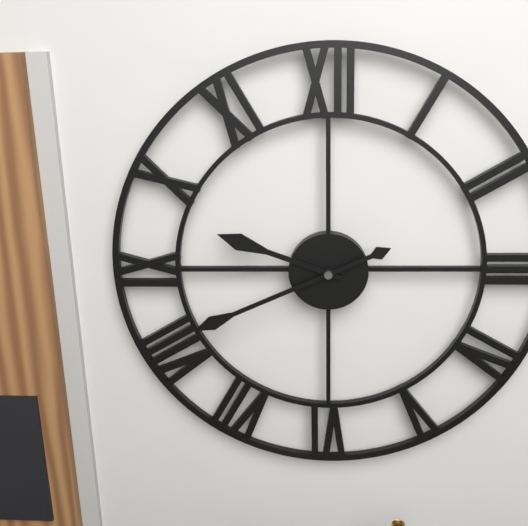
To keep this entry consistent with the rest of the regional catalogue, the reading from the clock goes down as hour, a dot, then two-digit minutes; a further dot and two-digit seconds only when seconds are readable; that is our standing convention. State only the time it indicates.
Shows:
9.41
